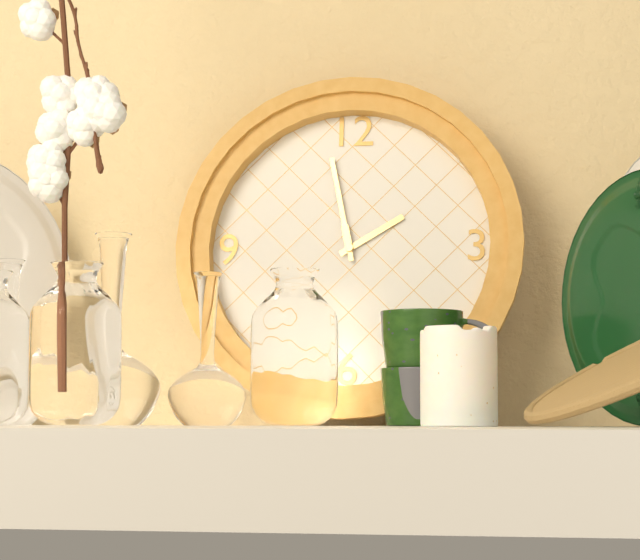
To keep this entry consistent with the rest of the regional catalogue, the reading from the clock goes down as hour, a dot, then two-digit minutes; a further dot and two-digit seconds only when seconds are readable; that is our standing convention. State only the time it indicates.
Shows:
1.58
